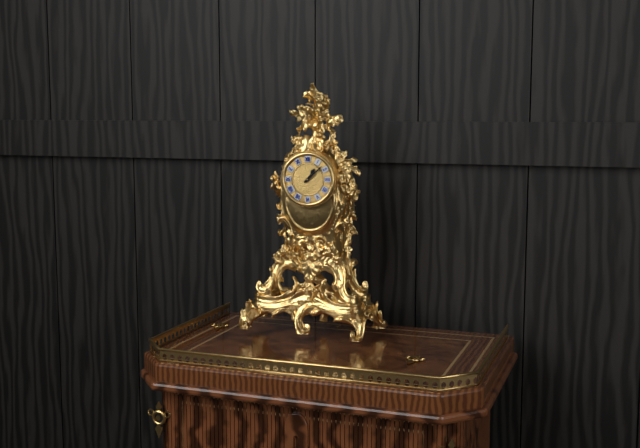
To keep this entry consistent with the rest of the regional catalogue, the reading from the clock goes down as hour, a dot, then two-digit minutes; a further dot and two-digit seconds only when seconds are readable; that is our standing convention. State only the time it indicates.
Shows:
1.08
